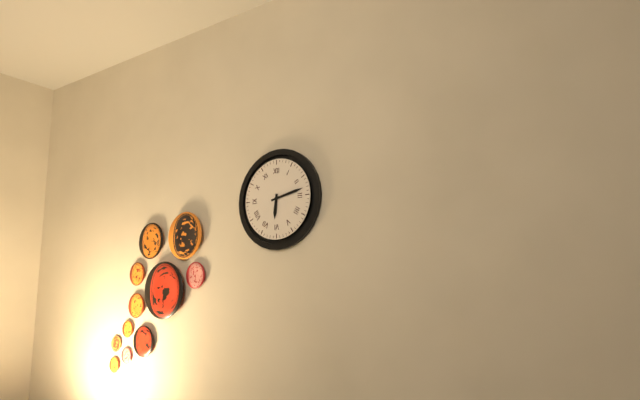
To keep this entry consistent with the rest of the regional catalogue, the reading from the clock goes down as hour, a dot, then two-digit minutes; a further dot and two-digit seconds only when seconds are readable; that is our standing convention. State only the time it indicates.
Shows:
6.13
